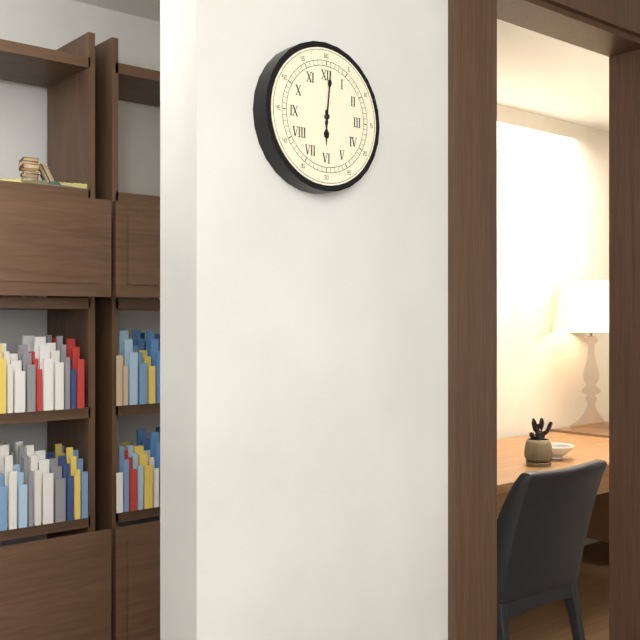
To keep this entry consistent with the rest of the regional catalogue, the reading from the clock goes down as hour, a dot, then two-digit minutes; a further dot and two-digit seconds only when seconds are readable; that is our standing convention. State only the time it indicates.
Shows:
6.01
